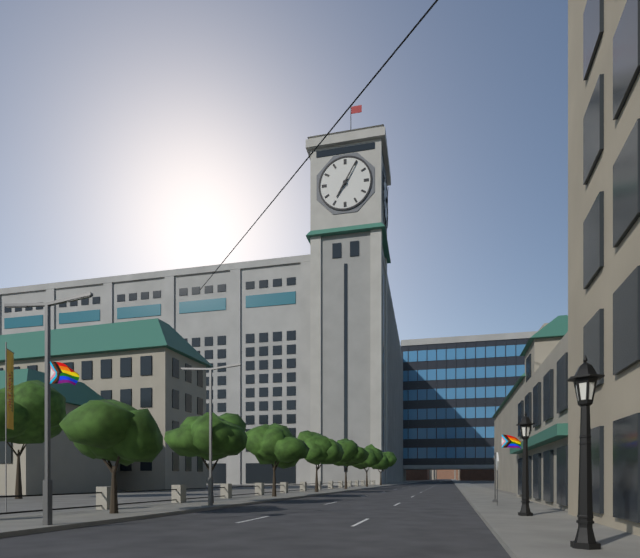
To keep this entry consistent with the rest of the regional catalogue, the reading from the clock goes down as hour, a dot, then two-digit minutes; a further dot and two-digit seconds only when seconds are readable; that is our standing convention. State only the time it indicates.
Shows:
7.05
